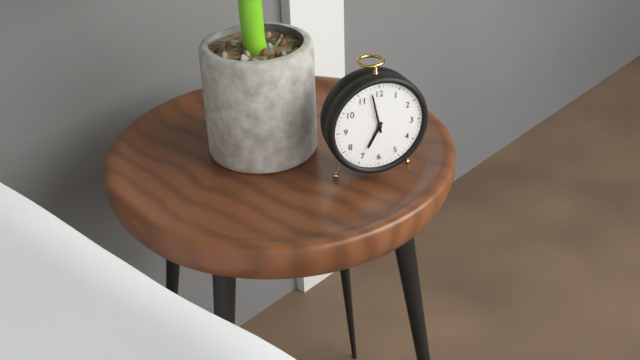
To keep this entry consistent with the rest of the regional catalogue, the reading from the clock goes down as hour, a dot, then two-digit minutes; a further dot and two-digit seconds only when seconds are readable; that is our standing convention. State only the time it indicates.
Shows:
6.58
